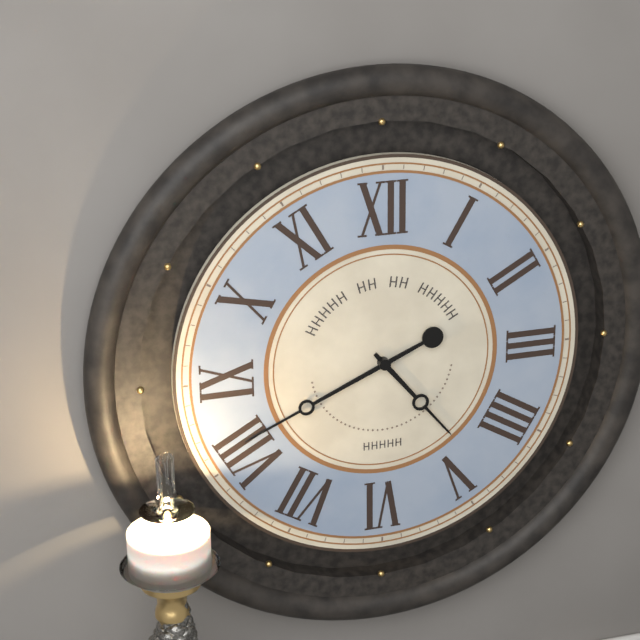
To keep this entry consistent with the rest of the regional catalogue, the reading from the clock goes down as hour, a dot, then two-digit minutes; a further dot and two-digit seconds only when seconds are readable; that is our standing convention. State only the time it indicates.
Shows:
4.41
